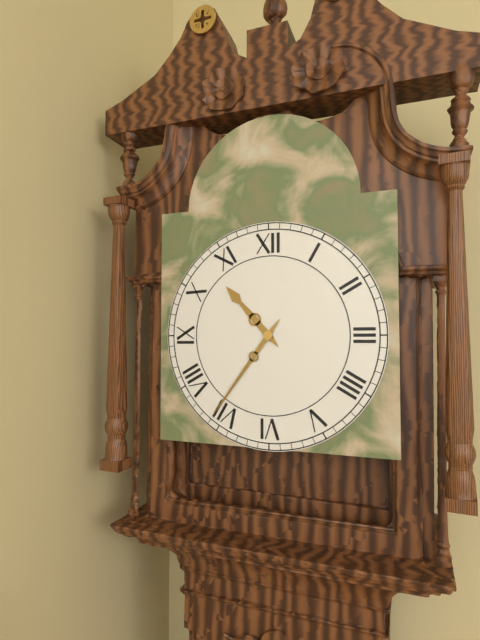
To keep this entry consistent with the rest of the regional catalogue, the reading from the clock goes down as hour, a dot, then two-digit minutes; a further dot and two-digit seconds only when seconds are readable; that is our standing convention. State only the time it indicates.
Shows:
10.36
